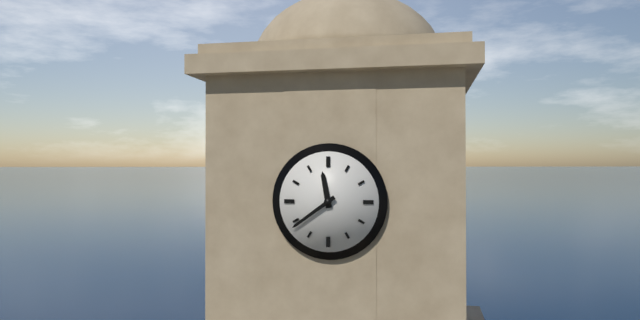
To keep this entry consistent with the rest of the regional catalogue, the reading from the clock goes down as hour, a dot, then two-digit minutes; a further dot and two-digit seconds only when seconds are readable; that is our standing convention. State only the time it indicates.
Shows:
11.39
